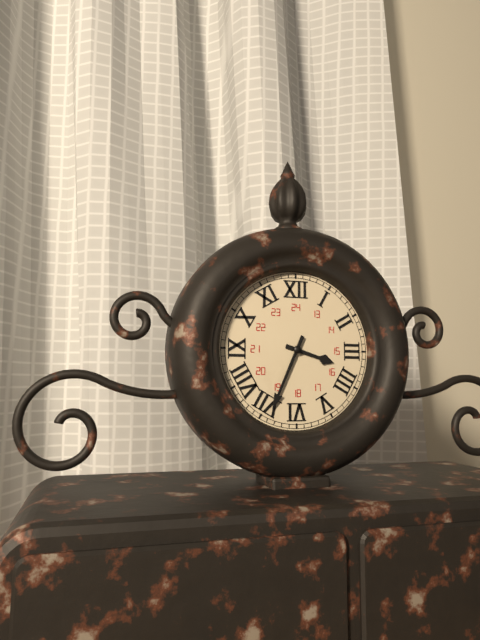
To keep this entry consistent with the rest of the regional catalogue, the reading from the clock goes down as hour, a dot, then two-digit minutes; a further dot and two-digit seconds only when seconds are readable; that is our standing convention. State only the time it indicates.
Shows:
3.34
